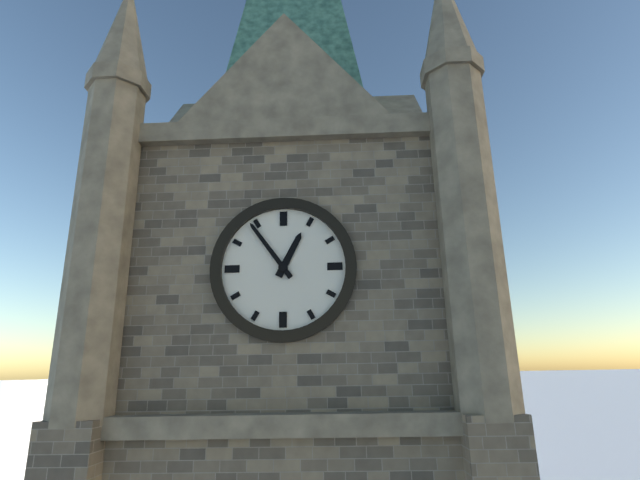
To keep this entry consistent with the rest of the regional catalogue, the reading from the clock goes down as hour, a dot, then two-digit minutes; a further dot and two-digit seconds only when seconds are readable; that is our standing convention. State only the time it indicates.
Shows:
12.54
